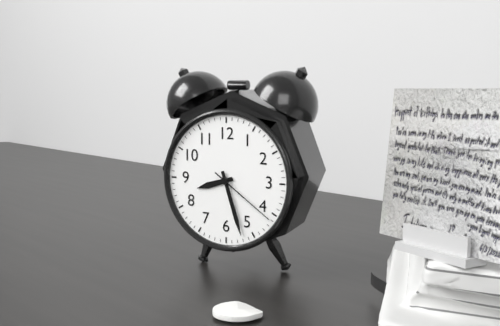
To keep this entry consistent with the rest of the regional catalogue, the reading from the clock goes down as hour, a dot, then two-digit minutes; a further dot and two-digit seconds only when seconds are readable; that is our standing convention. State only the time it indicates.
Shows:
8.27.21
